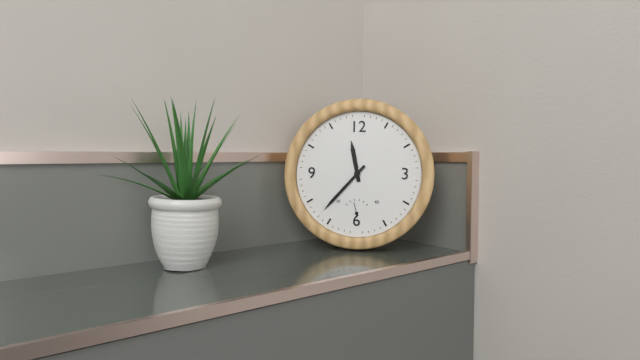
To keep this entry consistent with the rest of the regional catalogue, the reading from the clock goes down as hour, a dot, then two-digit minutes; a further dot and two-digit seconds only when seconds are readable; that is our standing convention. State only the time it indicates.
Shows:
11.37
